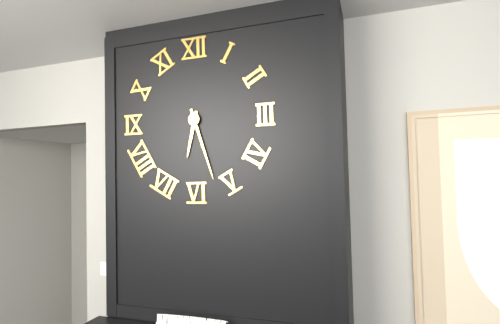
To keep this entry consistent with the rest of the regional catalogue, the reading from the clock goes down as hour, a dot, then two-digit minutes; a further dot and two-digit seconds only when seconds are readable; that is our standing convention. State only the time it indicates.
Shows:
6.27
